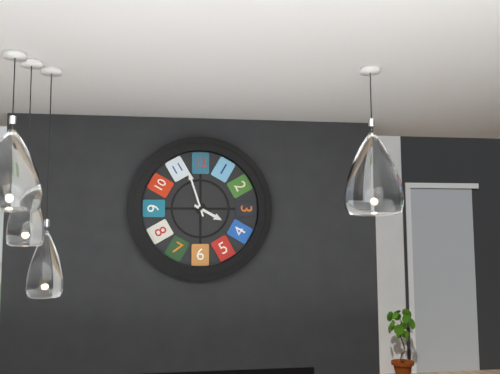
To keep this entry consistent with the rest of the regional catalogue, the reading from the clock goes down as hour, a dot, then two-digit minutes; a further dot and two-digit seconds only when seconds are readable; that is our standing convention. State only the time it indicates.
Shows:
3.57
